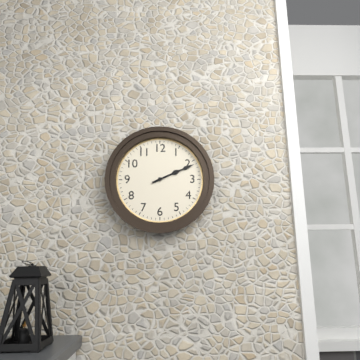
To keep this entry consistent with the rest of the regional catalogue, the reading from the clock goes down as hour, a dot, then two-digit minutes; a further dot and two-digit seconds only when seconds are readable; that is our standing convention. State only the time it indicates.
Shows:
2.11
